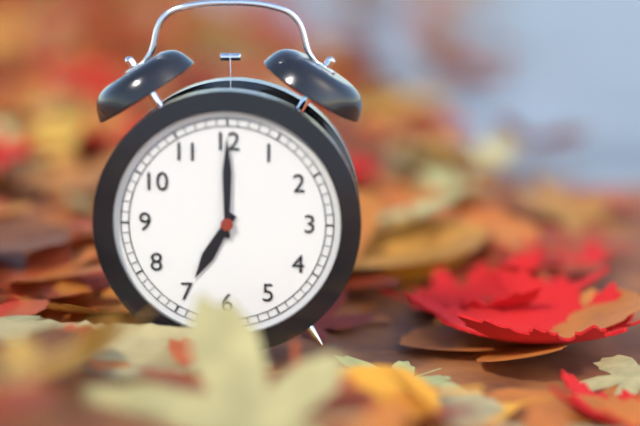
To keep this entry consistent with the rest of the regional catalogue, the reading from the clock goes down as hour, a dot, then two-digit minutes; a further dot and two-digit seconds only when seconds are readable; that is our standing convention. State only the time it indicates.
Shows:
7.00
